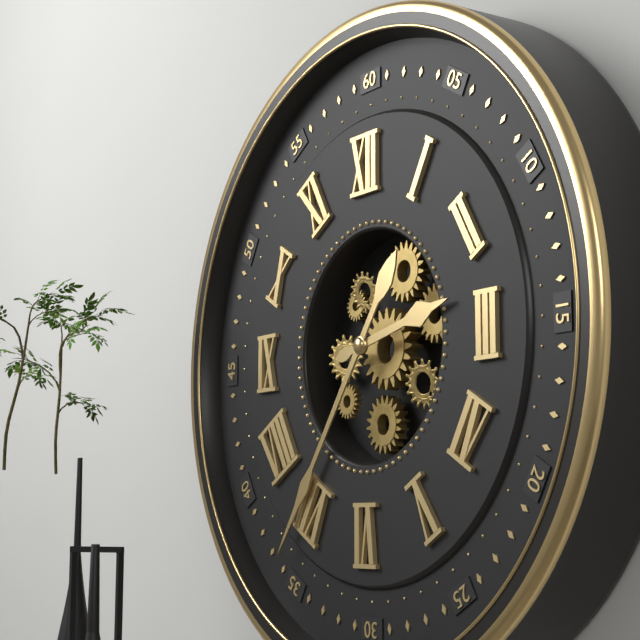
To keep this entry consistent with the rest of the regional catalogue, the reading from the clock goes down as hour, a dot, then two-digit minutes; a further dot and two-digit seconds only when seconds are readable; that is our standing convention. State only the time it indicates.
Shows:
2.36
